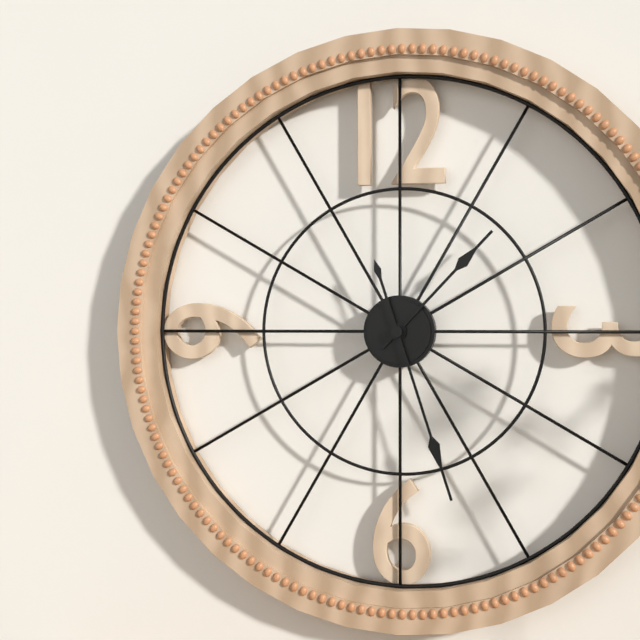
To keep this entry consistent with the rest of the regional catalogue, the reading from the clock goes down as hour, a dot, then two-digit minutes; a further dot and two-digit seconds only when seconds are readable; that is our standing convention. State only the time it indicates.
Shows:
1.27
